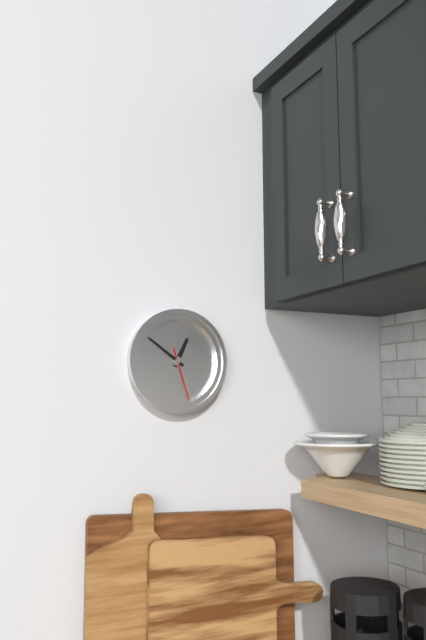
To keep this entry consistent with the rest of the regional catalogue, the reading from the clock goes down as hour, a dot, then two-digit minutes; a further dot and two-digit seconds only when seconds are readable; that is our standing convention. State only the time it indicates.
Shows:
12.51.27
